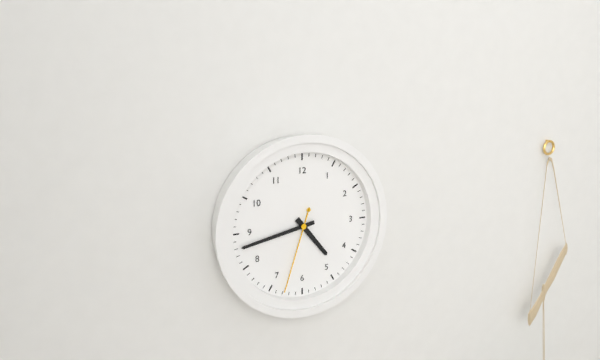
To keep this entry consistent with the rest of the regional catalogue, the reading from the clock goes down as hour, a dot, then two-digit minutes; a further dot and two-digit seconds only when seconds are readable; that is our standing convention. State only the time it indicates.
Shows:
4.43.33
